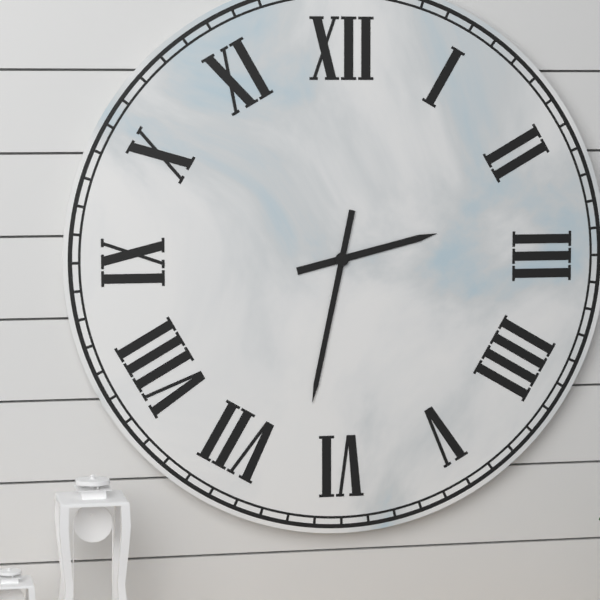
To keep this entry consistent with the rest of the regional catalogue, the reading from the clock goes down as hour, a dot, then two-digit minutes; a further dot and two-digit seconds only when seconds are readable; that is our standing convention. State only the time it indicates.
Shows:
2.32
